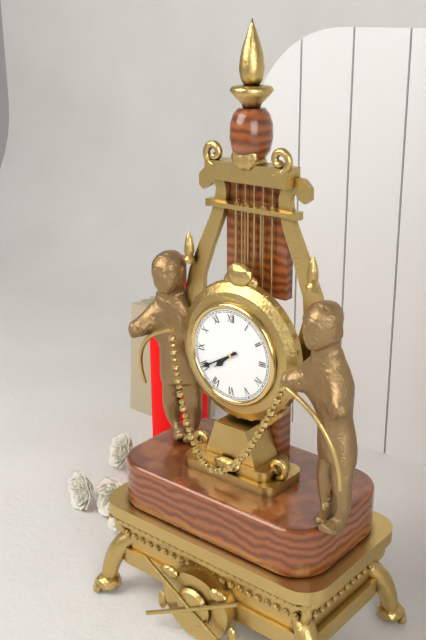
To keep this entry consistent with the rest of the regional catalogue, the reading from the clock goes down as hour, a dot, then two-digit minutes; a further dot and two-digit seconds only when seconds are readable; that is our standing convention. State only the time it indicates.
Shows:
7.40
